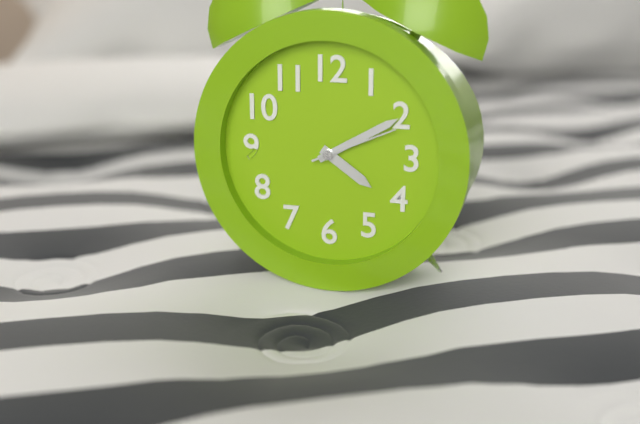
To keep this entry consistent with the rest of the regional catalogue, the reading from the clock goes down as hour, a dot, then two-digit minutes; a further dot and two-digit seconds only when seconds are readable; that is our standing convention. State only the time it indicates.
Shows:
4.10.11
